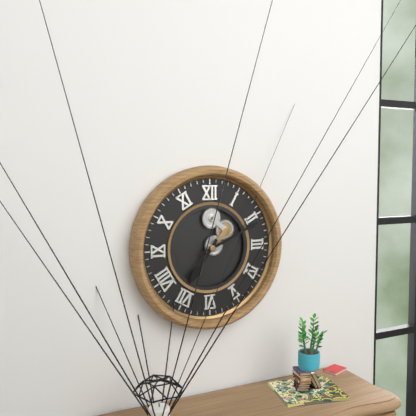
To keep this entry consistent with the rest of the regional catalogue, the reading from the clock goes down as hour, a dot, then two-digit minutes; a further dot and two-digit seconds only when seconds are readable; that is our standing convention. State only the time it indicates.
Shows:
7.11
